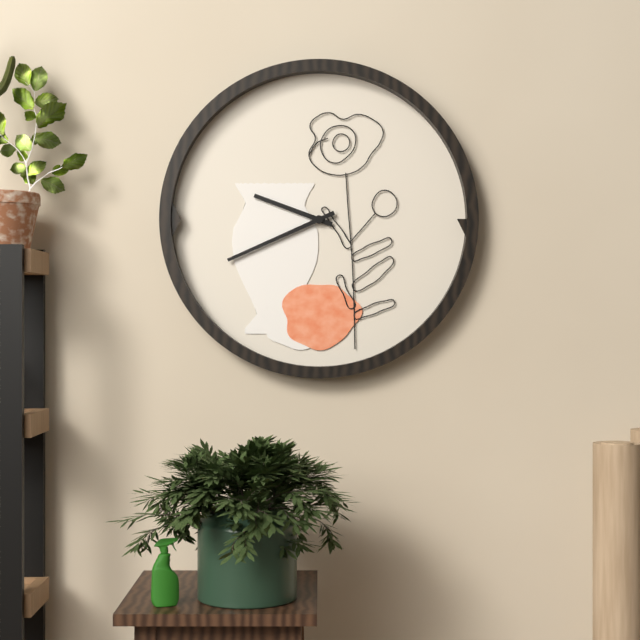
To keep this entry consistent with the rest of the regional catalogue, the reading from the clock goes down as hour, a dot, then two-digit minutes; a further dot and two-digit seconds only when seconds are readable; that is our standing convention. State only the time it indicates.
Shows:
9.41
